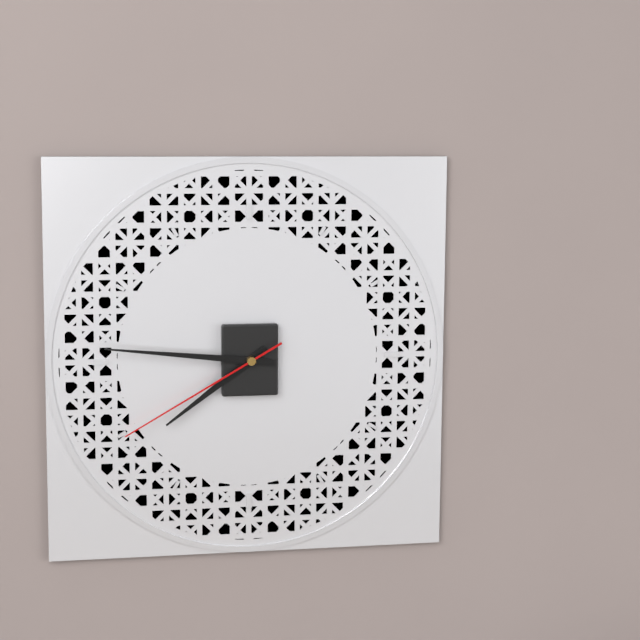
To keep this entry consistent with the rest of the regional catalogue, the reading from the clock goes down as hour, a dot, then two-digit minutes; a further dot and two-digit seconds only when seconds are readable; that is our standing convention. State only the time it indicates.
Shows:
7.46.40
